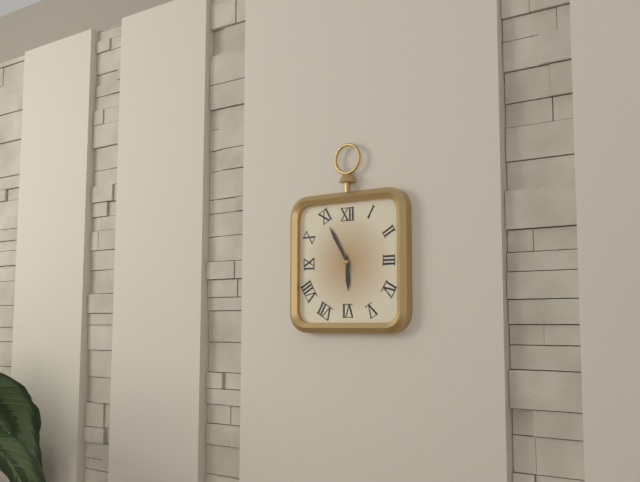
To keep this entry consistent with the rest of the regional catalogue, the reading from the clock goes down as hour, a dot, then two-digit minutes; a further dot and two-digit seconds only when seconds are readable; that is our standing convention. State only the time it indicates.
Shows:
5.55
